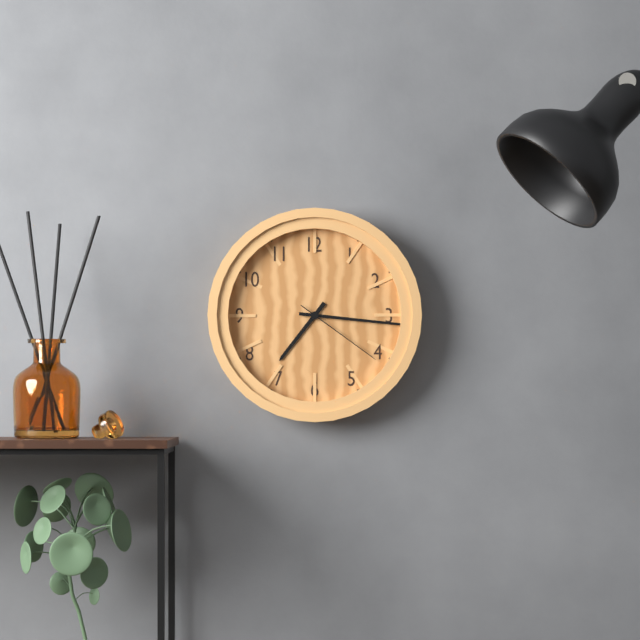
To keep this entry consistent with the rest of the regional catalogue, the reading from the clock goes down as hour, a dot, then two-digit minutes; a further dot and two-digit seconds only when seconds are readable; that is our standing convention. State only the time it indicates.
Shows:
7.16.21
